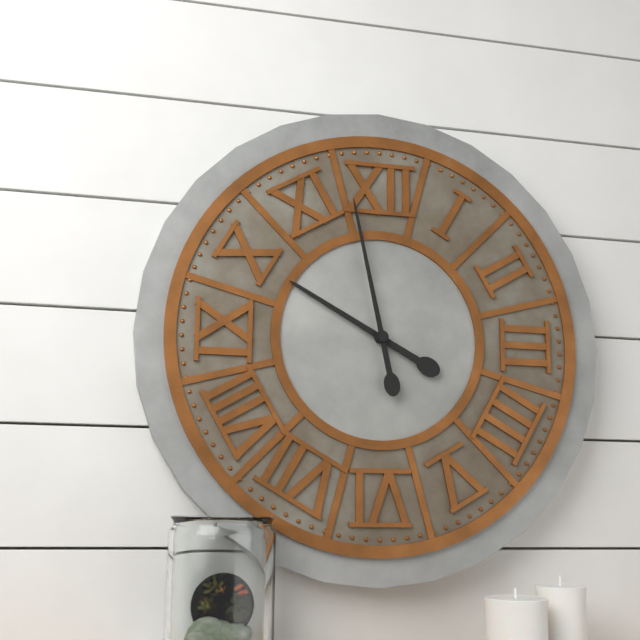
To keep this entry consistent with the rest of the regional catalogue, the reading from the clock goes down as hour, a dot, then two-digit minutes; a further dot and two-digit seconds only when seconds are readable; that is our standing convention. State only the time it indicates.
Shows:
9.58
